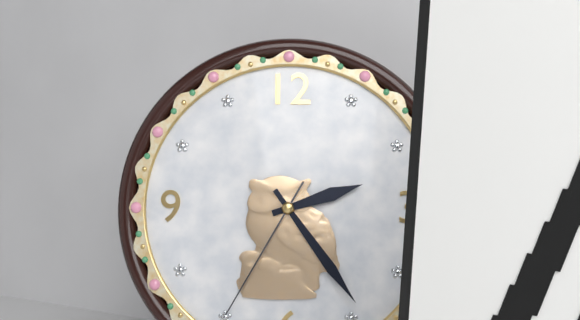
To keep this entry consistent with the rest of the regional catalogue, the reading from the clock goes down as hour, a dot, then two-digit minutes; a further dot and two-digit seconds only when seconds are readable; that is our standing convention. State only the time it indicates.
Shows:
2.24.35
